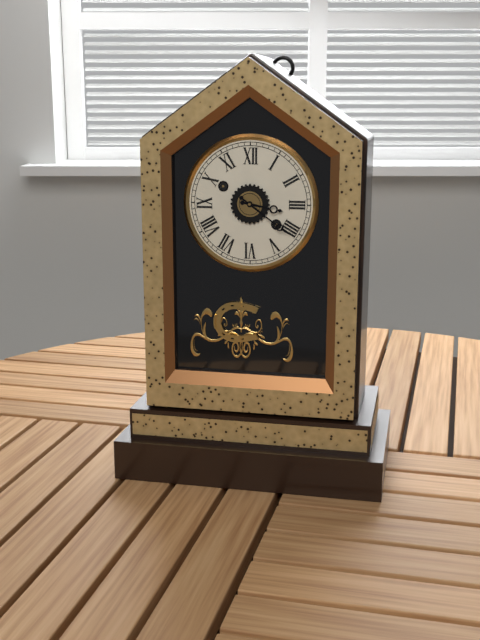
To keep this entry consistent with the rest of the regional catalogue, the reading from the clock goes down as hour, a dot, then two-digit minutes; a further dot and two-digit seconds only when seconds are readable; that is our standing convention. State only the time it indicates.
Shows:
3.21
